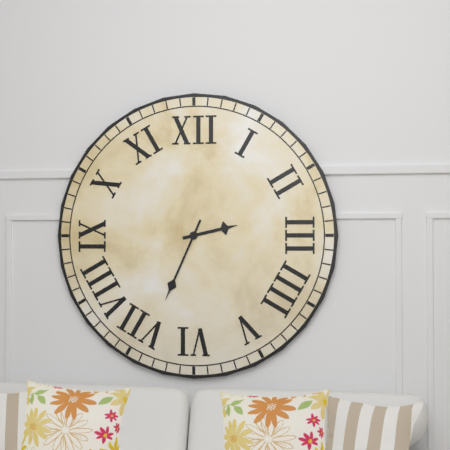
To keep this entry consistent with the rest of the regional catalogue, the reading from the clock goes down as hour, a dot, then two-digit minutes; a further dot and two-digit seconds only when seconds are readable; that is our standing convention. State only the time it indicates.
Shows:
2.34
